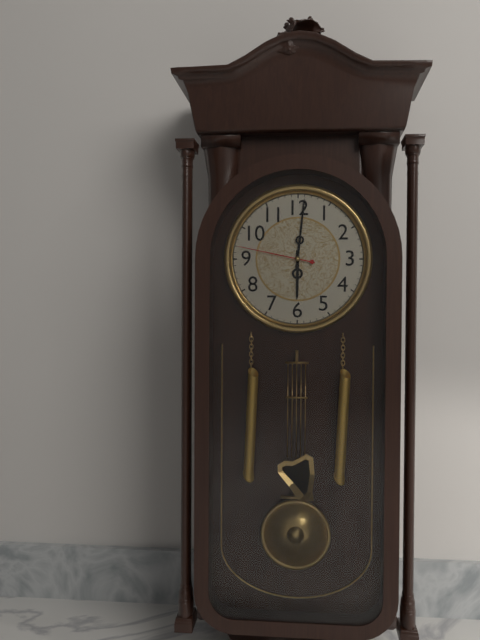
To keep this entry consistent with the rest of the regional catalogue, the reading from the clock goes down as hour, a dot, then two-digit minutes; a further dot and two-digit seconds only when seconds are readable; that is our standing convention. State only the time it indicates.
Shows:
6.01.47
